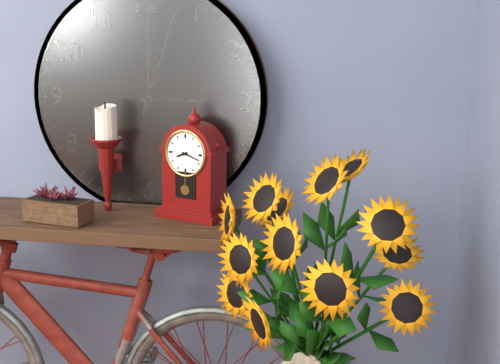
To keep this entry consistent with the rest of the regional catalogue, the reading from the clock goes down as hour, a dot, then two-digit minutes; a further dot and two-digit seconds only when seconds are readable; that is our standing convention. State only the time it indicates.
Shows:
8.18
